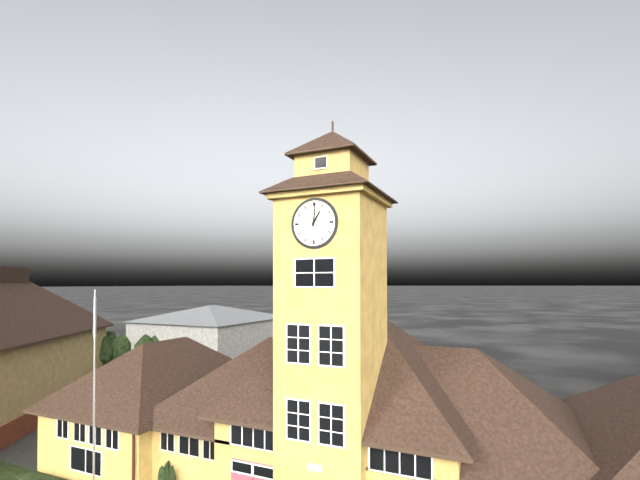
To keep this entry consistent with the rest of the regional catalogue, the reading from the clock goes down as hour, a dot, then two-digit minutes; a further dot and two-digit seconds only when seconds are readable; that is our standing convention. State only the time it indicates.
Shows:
1.01
